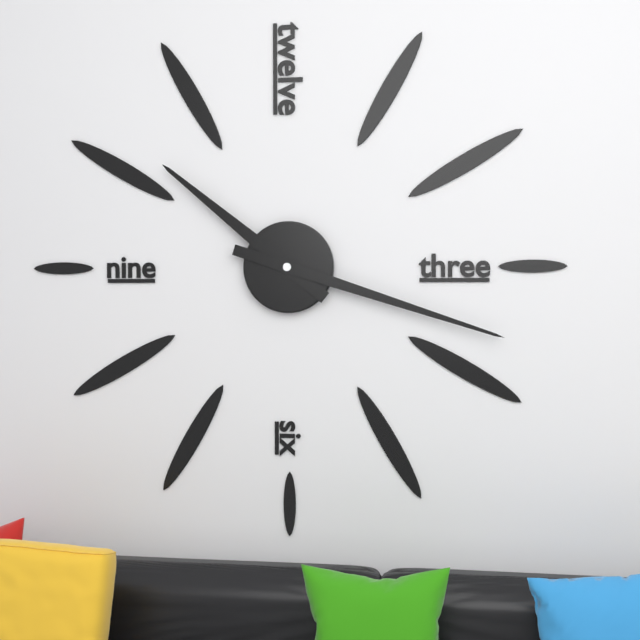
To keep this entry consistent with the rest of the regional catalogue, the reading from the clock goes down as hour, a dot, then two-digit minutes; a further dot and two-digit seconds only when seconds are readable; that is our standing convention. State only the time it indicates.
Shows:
10.18
